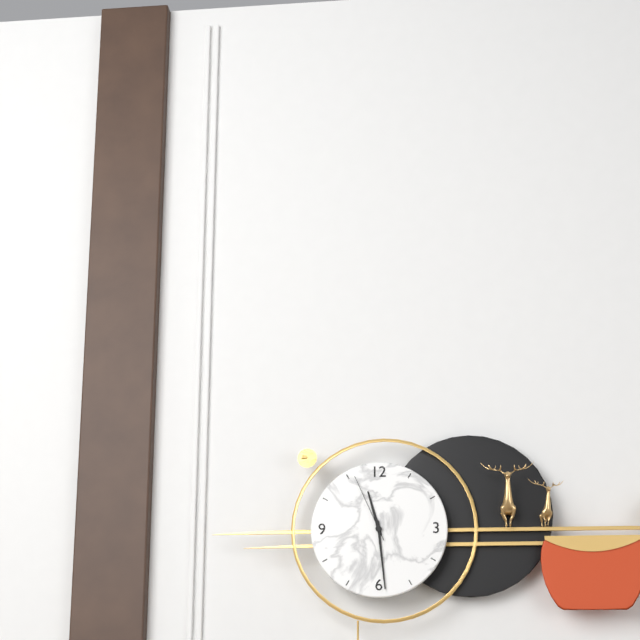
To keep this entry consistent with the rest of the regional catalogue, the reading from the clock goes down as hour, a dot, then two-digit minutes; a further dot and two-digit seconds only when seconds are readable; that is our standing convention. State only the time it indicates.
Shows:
11.29.56
